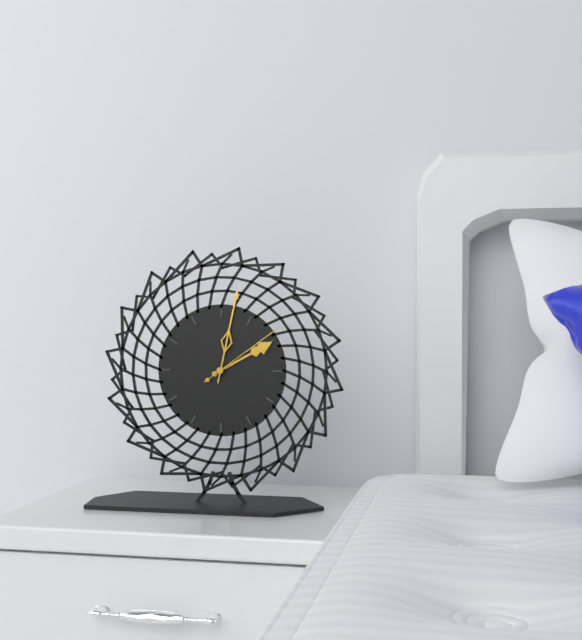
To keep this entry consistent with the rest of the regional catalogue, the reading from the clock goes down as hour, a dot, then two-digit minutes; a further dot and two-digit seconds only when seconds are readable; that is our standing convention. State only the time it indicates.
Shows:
2.02.09
